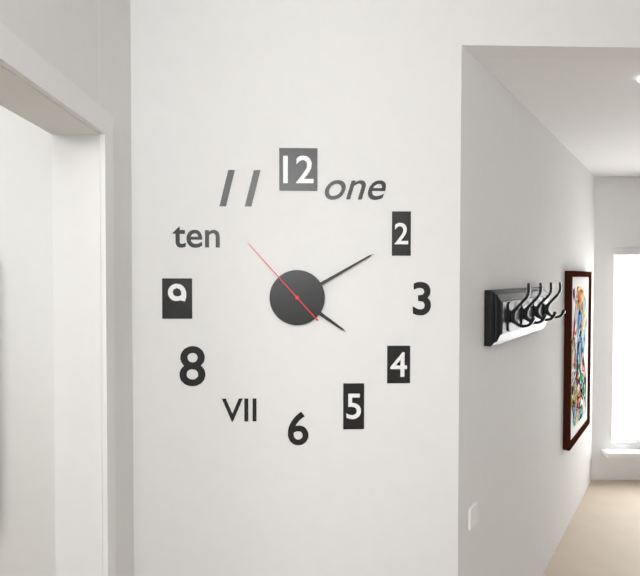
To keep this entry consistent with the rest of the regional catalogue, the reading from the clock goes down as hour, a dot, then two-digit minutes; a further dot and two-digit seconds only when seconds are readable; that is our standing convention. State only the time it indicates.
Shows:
4.10.53
